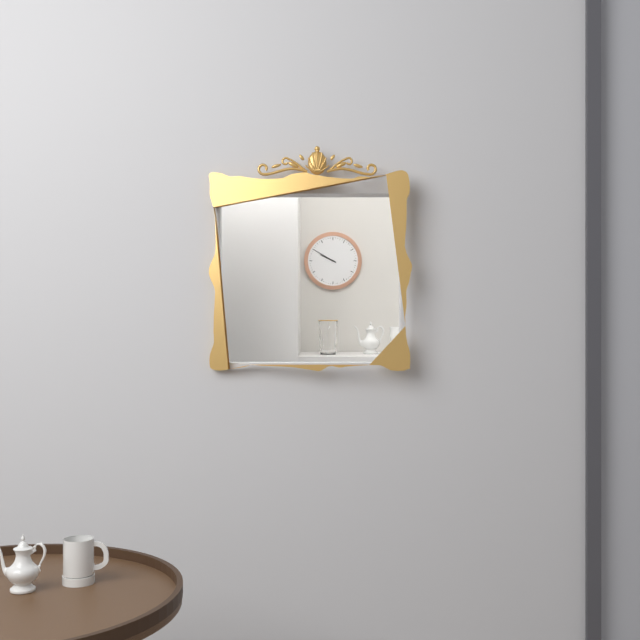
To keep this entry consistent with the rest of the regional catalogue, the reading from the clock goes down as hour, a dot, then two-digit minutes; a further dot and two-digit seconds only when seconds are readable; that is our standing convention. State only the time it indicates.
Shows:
9.50
